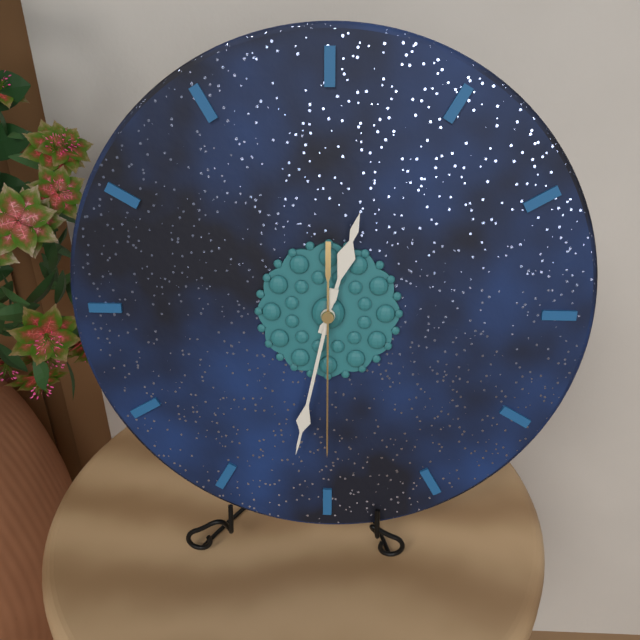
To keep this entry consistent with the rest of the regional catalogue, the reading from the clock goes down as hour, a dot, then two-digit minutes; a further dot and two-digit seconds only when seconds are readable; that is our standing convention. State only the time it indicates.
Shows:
12.32.30
